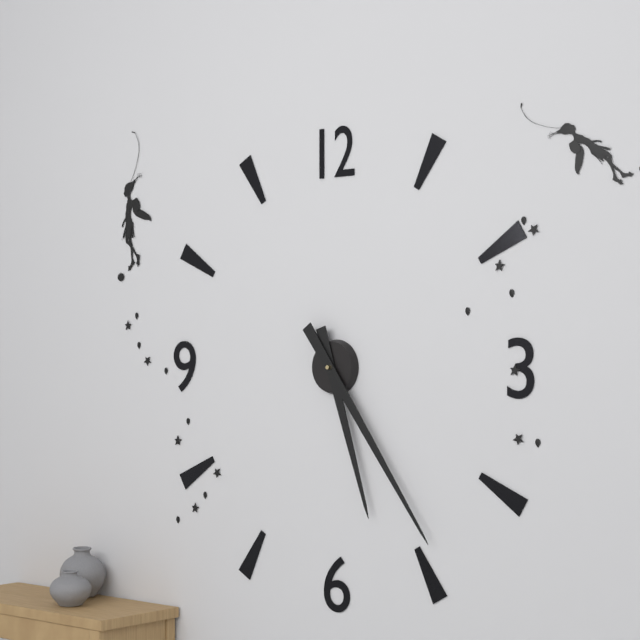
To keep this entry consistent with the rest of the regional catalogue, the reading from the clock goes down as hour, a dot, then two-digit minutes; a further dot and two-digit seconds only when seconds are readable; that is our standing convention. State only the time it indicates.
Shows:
5.24
